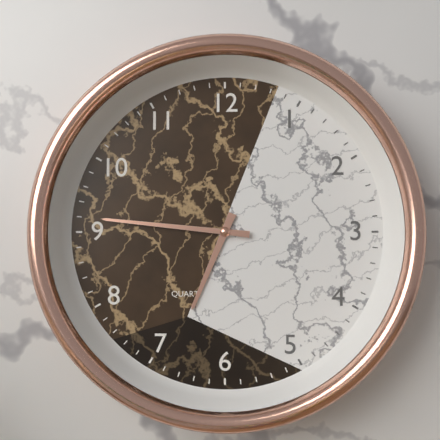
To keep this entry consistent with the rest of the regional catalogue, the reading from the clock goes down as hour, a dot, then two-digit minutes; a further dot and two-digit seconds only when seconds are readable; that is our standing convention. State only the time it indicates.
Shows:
6.46
